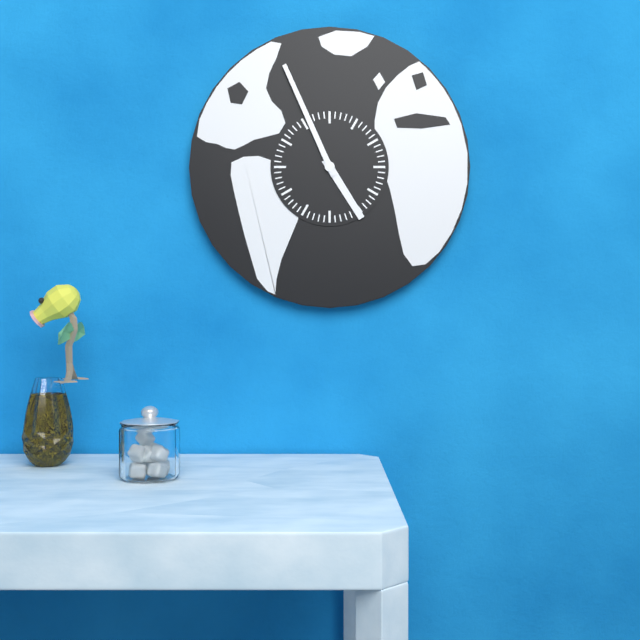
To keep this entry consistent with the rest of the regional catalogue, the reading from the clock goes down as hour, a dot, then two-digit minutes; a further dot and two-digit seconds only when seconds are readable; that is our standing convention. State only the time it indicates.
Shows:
4.56
